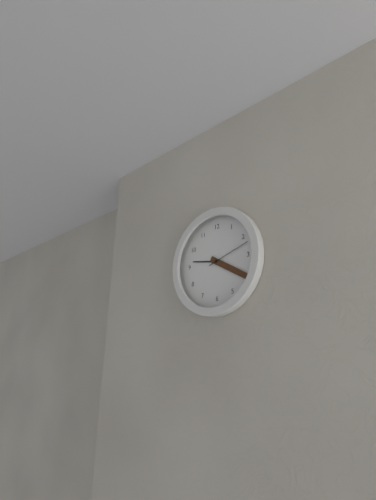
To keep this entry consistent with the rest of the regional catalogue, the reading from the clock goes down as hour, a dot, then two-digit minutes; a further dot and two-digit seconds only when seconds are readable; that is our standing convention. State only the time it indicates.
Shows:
9.20
